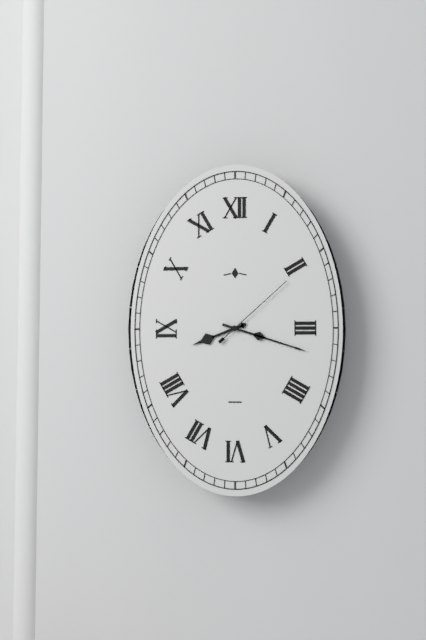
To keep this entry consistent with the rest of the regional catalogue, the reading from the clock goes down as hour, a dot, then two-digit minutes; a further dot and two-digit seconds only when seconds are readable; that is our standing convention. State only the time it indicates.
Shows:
8.18.08
